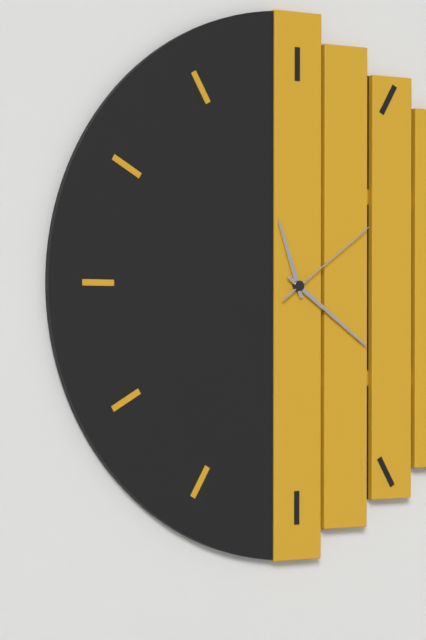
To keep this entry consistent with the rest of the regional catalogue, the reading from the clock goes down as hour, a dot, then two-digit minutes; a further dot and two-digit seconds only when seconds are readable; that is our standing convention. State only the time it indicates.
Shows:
11.21.09
